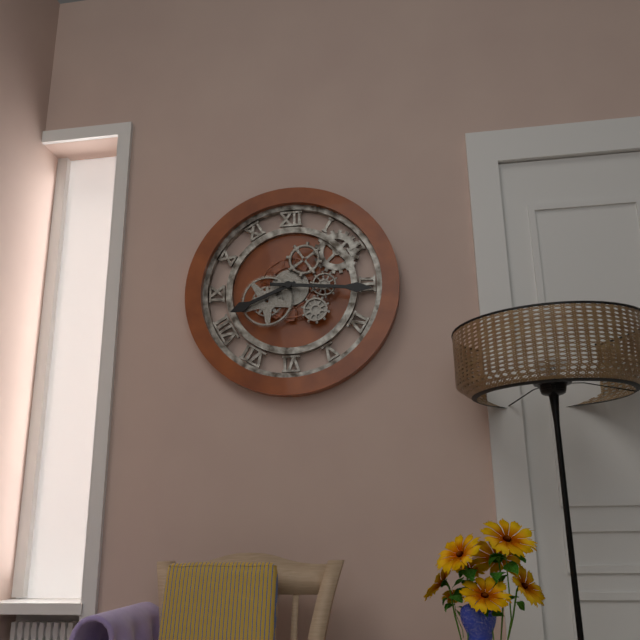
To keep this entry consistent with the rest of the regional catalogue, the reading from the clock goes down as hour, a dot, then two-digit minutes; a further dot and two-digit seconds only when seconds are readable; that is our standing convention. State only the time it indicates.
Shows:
8.16
